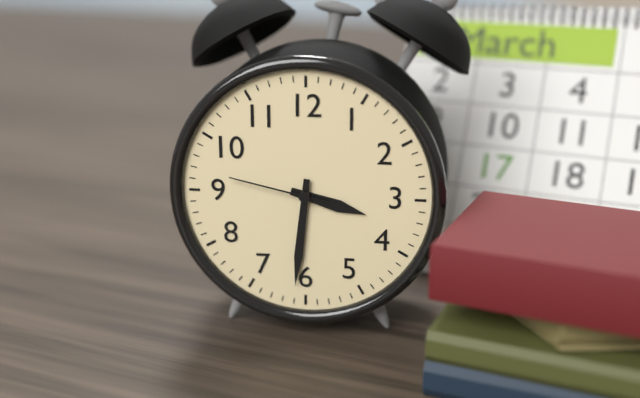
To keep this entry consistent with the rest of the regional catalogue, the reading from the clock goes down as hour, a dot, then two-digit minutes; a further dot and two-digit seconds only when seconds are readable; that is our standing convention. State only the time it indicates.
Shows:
3.31.47
